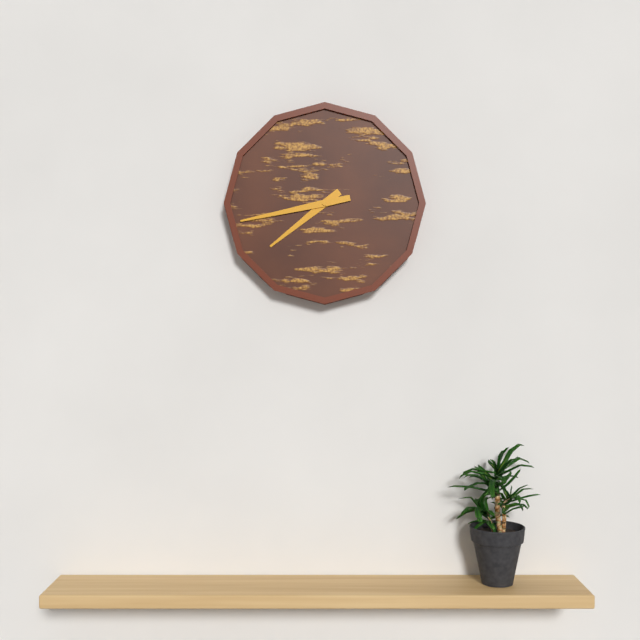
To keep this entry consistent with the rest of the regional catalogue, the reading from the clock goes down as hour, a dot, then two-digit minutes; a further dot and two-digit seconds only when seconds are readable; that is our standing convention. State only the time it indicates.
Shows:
7.43
